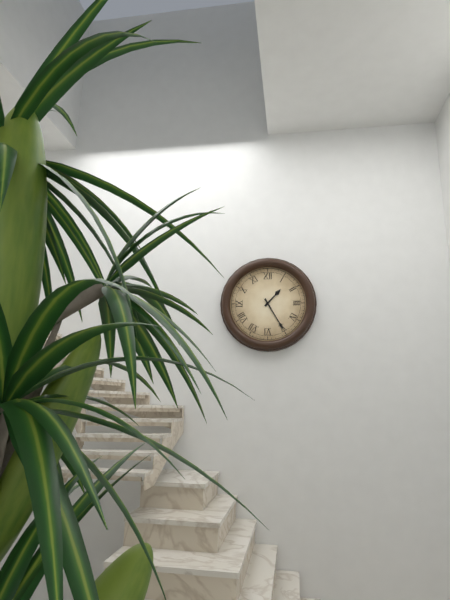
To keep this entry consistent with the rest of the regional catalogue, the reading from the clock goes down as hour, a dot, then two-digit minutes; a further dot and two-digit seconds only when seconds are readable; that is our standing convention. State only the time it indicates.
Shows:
1.25
